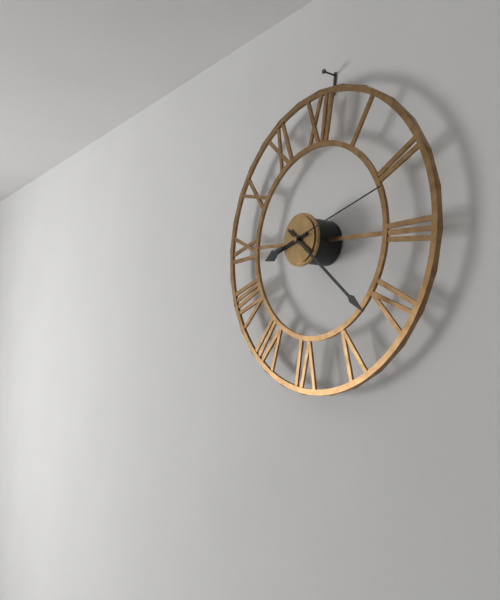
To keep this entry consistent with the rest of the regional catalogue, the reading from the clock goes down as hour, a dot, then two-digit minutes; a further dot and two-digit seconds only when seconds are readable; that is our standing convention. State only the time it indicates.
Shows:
8.21.12
